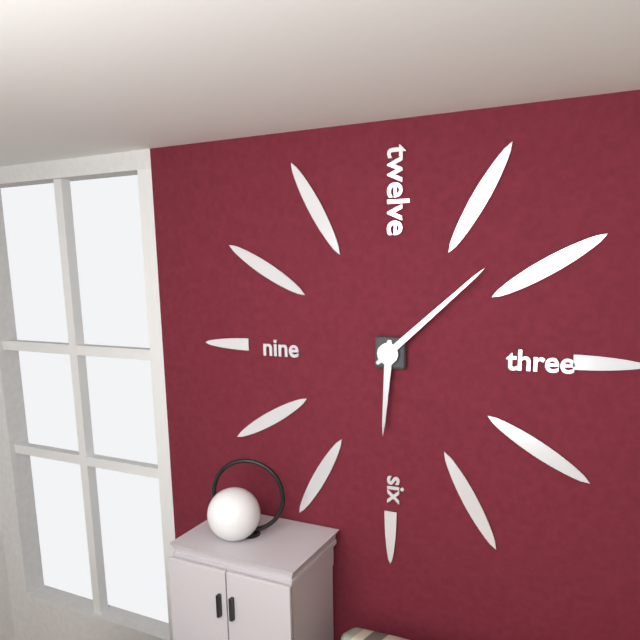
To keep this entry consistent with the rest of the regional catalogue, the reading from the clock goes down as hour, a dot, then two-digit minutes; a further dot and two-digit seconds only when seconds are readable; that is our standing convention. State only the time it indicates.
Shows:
6.08
